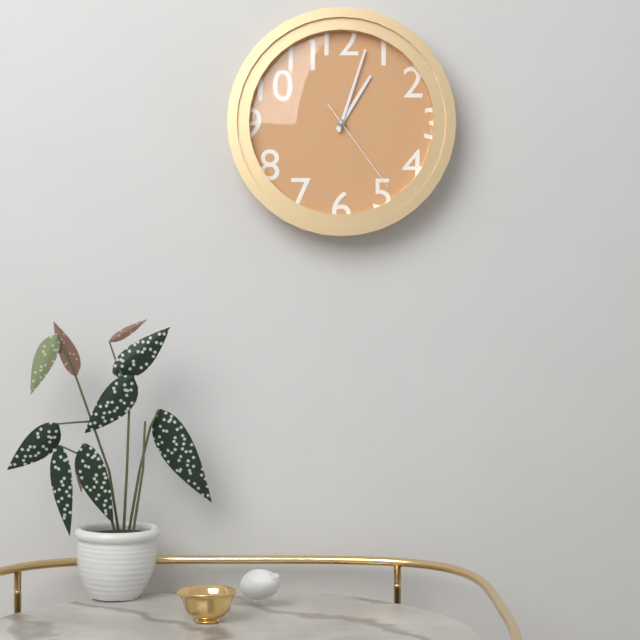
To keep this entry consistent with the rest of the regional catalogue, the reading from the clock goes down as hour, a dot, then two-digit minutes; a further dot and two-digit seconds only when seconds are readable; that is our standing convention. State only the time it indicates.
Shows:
1.03.24
